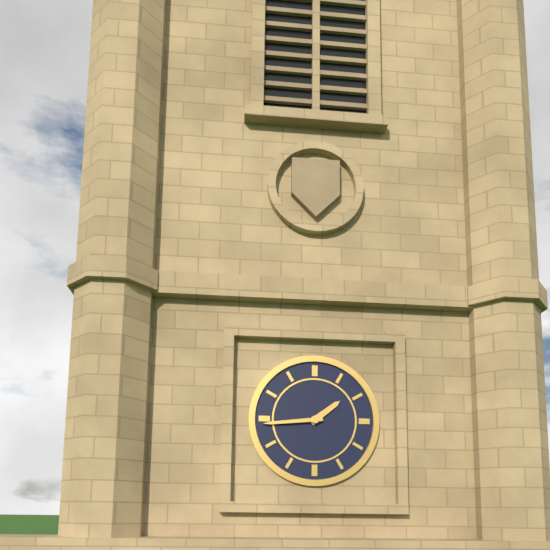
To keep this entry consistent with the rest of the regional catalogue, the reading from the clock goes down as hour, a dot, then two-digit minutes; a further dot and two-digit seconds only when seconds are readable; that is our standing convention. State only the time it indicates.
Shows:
1.44
